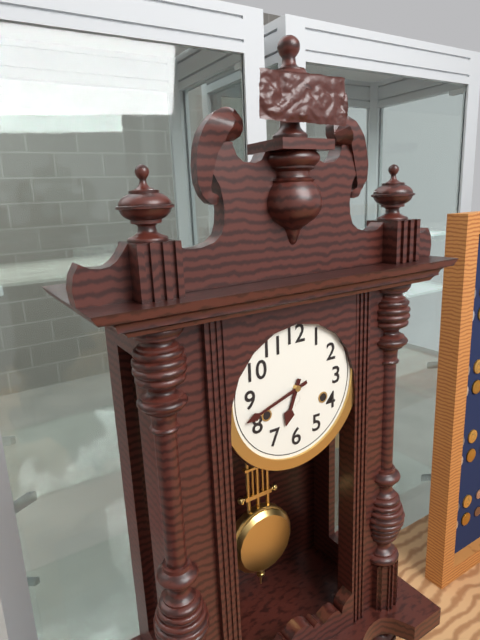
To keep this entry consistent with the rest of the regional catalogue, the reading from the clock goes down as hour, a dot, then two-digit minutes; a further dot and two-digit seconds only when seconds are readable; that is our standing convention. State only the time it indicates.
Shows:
6.42
